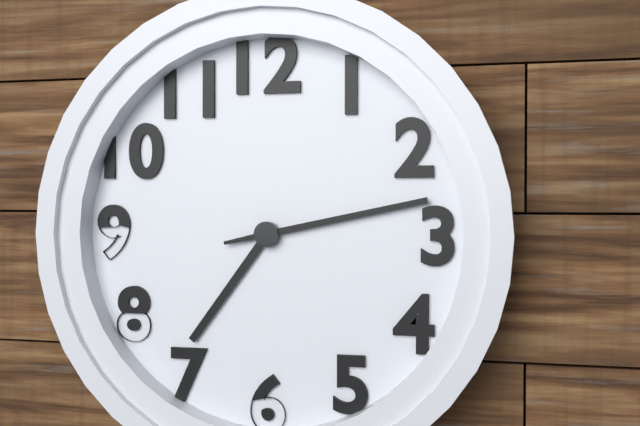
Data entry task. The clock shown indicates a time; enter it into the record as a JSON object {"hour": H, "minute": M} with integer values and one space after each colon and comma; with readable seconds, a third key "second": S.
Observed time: {"hour": 7, "minute": 13}
